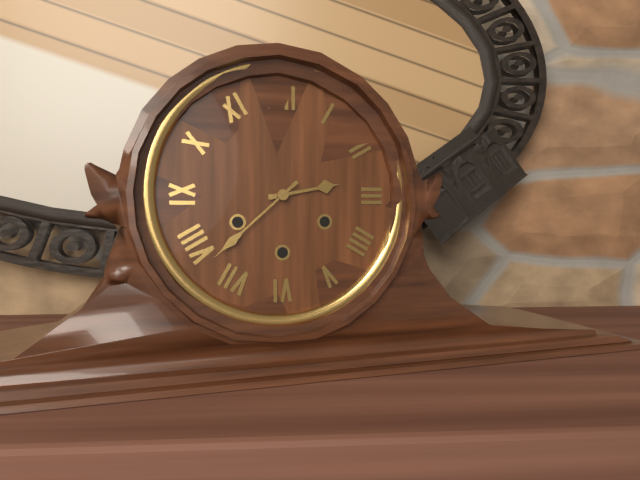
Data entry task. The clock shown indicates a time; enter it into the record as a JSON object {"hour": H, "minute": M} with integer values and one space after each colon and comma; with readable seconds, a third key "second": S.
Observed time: {"hour": 2, "minute": 38}
